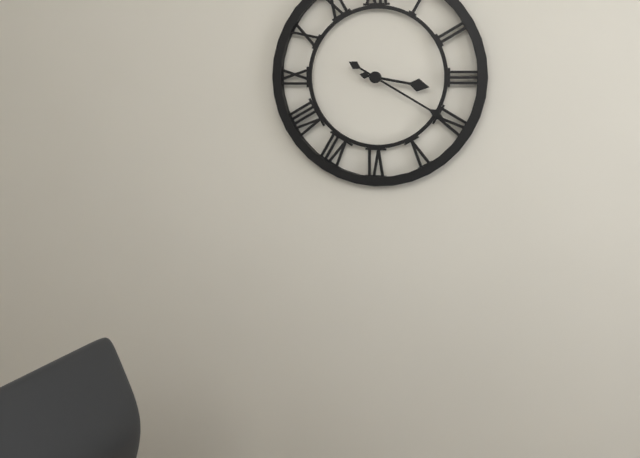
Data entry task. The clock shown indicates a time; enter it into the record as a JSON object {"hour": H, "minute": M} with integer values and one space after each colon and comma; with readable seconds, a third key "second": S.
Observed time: {"hour": 3, "minute": 20}
